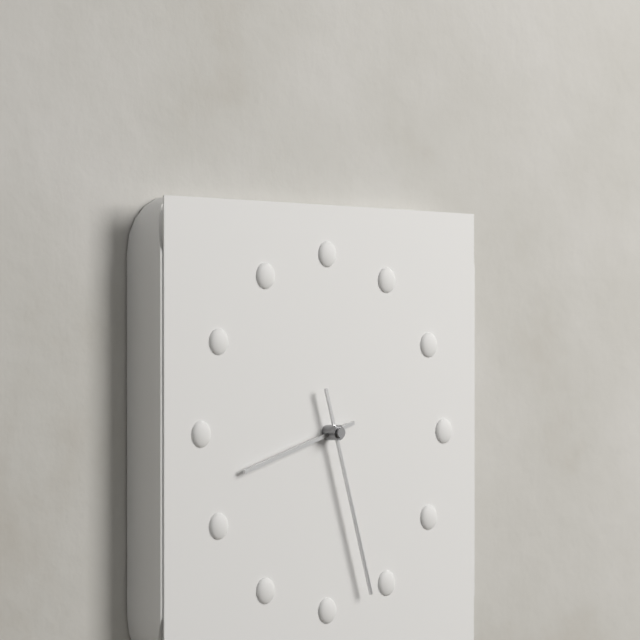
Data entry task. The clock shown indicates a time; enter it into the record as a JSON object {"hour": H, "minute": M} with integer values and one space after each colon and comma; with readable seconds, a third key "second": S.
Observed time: {"hour": 8, "minute": 27}
